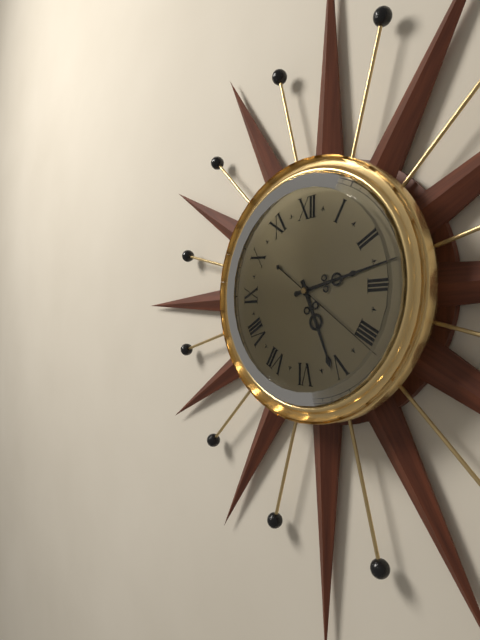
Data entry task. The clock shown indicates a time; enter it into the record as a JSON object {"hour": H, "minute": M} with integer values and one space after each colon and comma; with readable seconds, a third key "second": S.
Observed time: {"hour": 5, "minute": 13, "second": 21}
